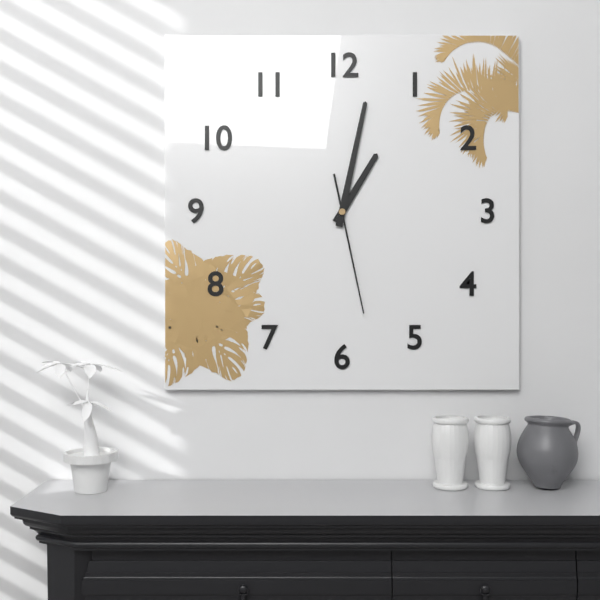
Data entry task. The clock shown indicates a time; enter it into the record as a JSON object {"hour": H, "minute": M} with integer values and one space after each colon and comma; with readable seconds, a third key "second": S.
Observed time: {"hour": 1, "minute": 2, "second": 28}
